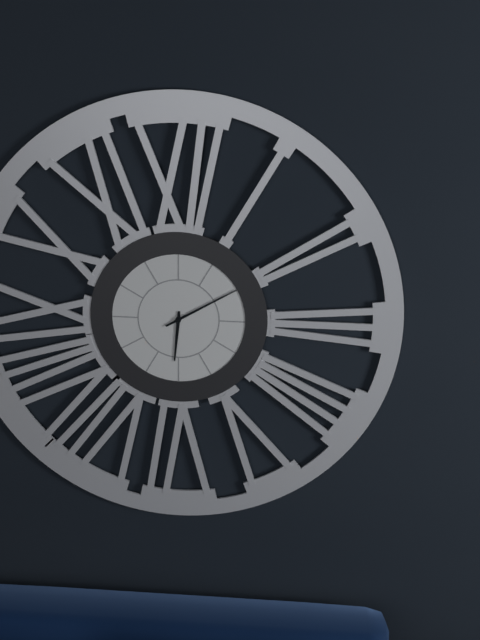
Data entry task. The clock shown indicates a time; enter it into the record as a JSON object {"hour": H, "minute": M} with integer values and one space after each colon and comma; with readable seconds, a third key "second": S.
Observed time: {"hour": 6, "minute": 10}
